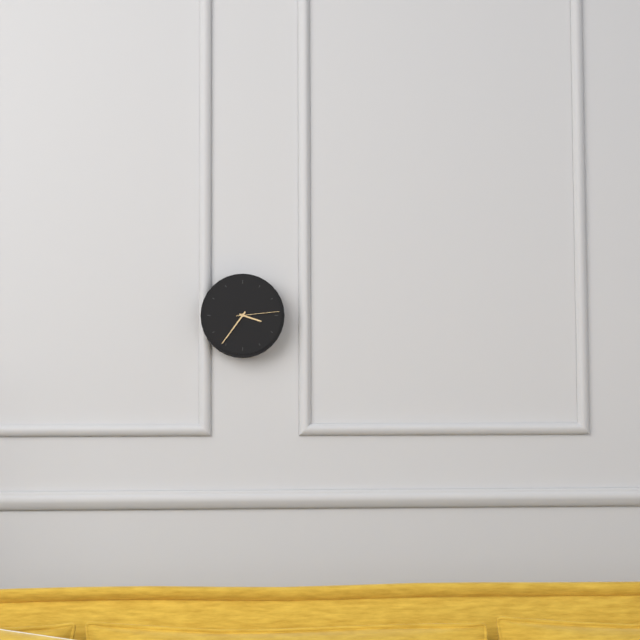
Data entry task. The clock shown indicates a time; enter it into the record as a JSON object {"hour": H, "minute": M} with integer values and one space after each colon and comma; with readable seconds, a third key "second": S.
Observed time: {"hour": 3, "minute": 36}
